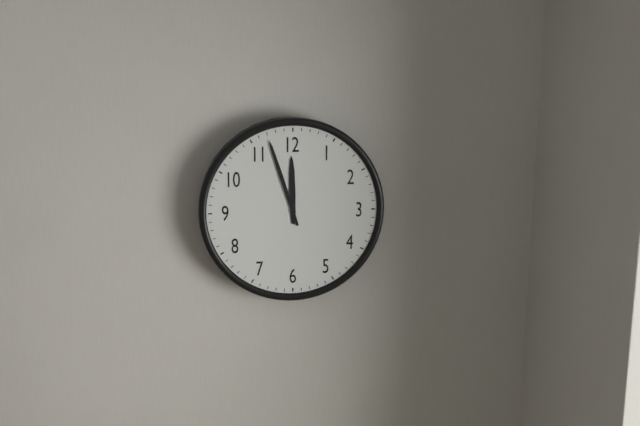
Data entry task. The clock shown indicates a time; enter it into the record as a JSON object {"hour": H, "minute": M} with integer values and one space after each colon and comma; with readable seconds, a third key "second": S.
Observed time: {"hour": 11, "minute": 57}
